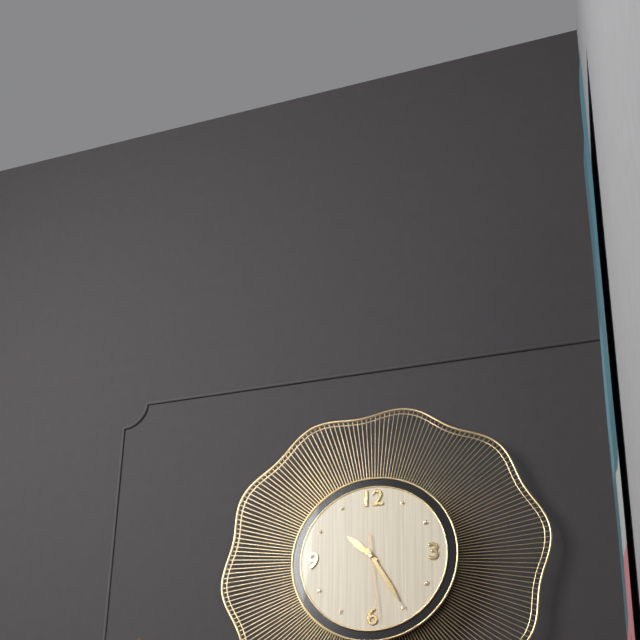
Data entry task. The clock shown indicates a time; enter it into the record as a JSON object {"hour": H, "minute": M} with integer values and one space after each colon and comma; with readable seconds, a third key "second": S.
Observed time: {"hour": 10, "minute": 25, "second": 29}
